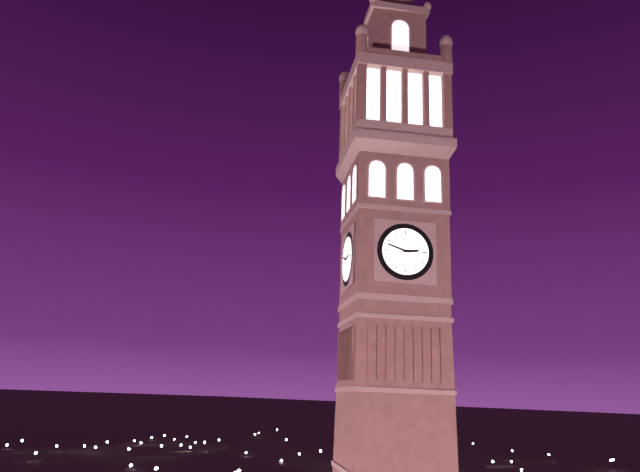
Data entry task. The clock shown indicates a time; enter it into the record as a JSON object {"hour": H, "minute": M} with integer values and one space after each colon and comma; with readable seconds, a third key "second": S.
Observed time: {"hour": 2, "minute": 48}
